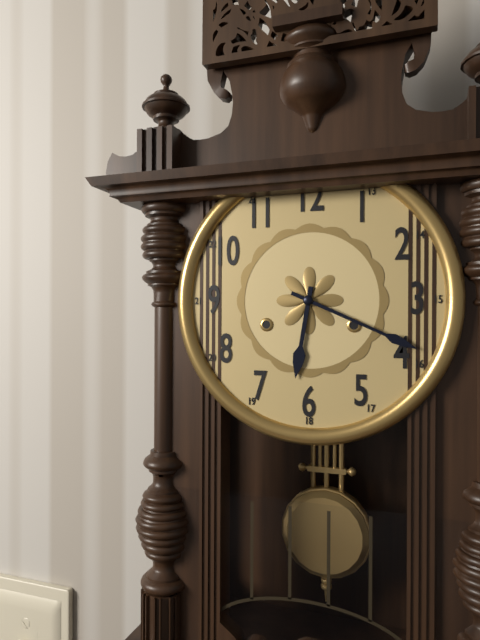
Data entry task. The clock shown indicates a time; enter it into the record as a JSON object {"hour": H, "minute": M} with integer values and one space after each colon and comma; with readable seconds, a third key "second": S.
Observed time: {"hour": 6, "minute": 19}
